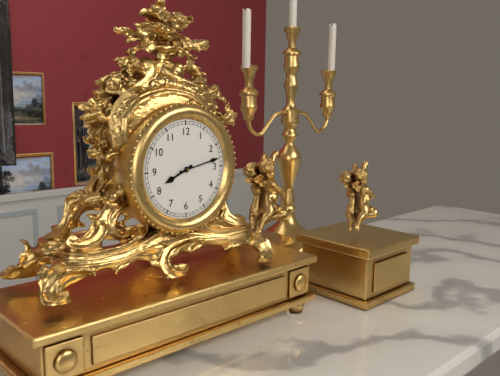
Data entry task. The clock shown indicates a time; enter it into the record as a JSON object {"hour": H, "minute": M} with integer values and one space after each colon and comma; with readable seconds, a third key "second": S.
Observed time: {"hour": 8, "minute": 13}
